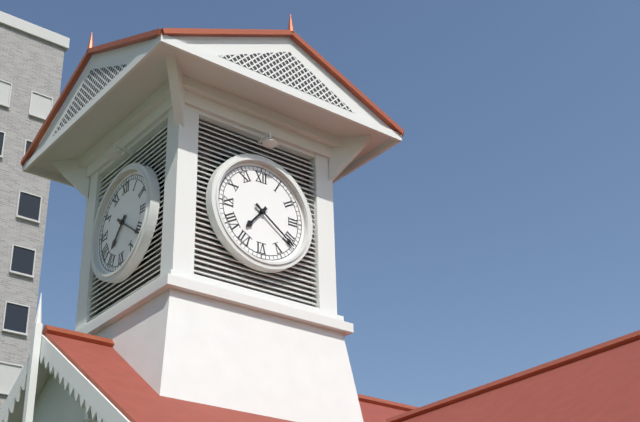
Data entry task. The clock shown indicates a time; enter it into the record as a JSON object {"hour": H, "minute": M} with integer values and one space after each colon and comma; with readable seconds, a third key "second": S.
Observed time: {"hour": 7, "minute": 21}
